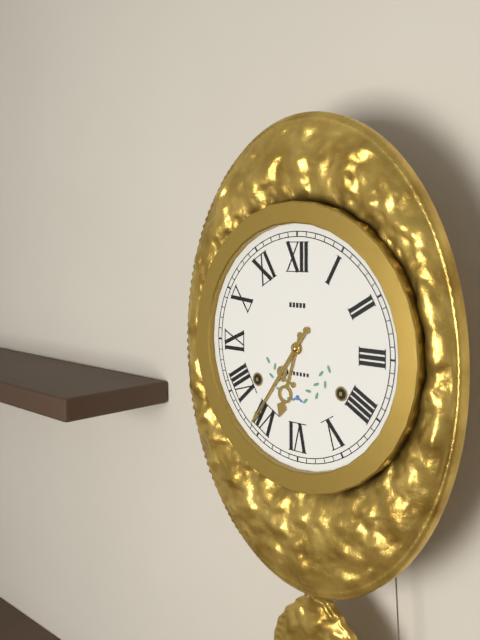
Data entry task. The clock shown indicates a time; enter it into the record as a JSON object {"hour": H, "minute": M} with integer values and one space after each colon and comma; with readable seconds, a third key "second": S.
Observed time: {"hour": 6, "minute": 36}
